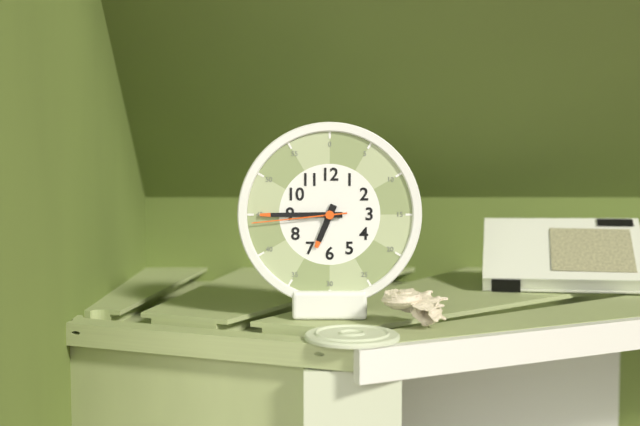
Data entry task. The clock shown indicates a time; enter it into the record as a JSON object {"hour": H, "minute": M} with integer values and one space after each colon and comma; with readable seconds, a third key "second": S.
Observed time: {"hour": 6, "minute": 45, "second": 44}
